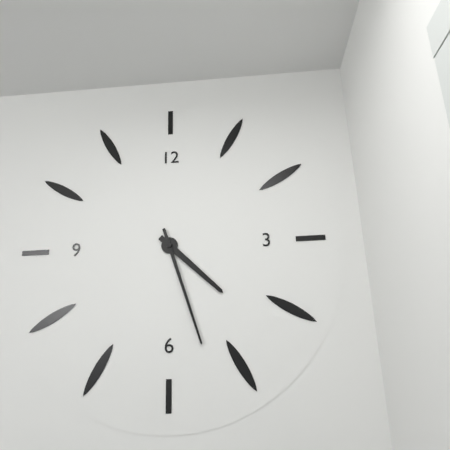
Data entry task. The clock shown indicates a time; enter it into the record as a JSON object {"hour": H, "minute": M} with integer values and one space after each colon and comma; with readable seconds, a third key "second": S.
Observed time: {"hour": 4, "minute": 27}
